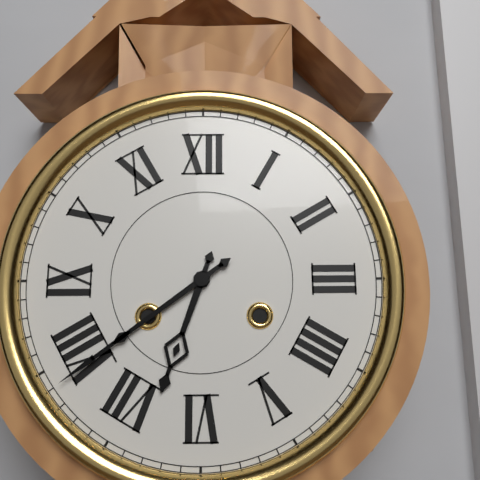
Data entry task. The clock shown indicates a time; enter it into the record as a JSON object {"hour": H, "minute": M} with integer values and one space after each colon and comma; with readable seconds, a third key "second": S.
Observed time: {"hour": 6, "minute": 39}
